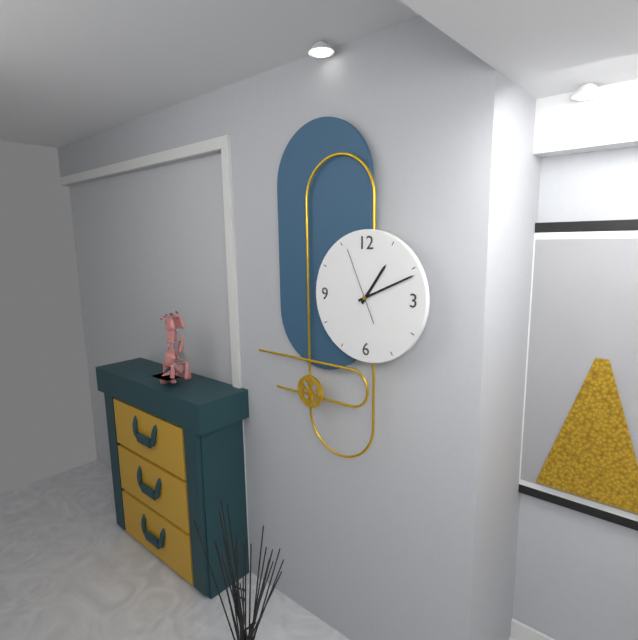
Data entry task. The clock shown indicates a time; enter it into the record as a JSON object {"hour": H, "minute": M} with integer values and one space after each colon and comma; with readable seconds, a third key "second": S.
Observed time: {"hour": 1, "minute": 11, "second": 56}
